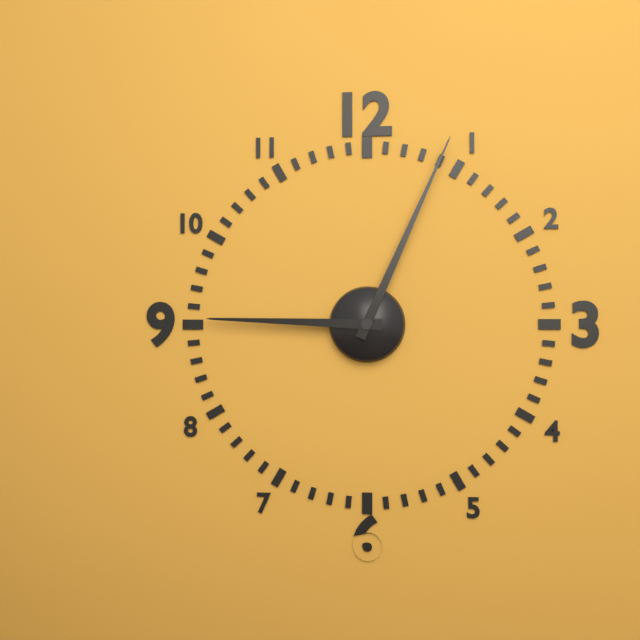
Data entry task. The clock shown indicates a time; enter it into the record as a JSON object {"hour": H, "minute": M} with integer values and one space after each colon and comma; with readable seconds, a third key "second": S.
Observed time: {"hour": 9, "minute": 4}
